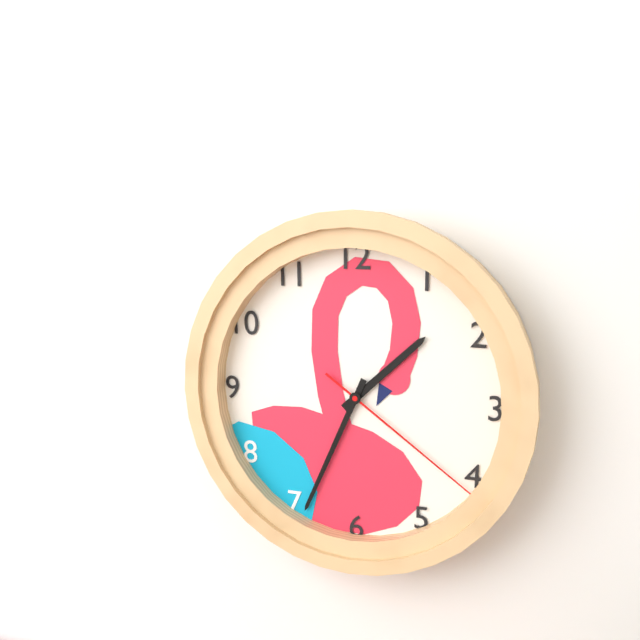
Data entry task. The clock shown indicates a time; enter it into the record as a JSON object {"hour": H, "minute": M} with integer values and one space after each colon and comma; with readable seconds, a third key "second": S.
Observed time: {"hour": 1, "minute": 34, "second": 21}
